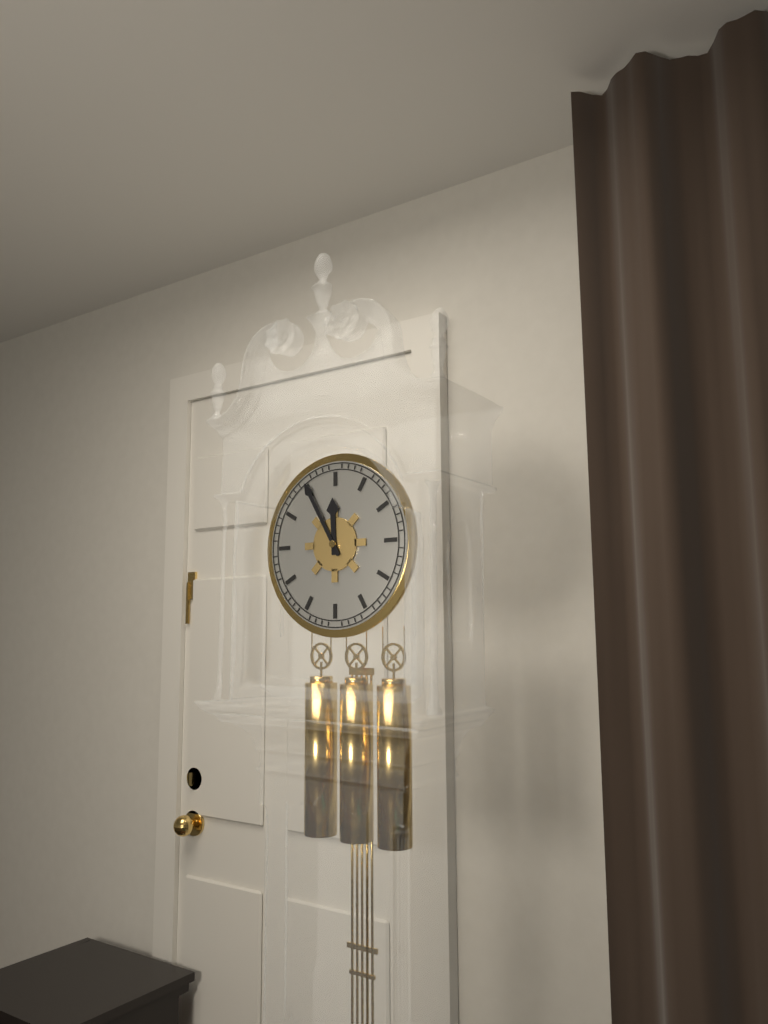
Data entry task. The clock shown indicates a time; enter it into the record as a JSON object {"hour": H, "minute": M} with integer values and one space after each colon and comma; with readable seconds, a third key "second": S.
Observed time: {"hour": 11, "minute": 55}
